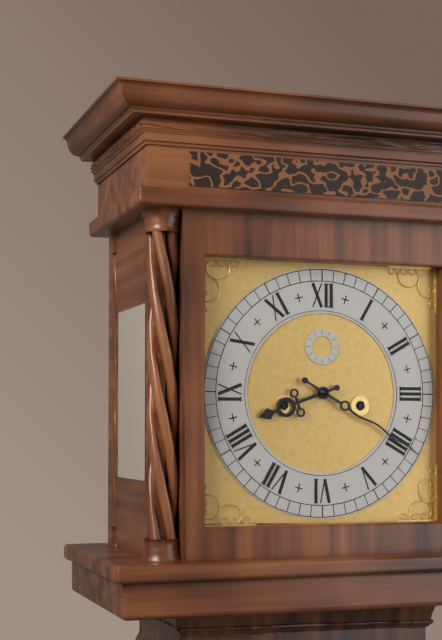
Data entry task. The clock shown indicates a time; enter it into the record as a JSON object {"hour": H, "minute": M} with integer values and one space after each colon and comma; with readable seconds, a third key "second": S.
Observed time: {"hour": 8, "minute": 20}
